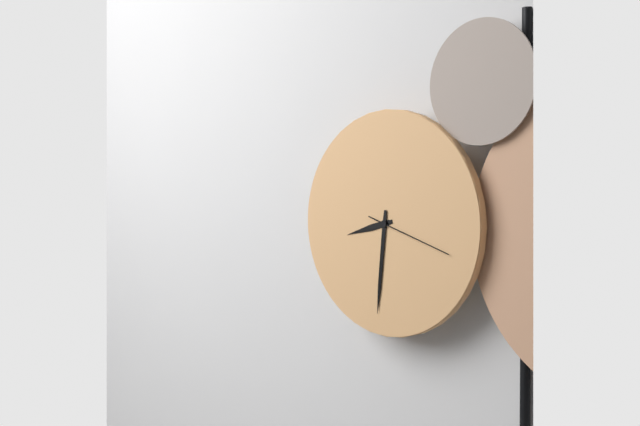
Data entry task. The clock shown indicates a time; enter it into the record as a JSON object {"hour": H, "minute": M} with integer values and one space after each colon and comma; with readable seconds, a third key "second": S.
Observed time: {"hour": 8, "minute": 31, "second": 18}
